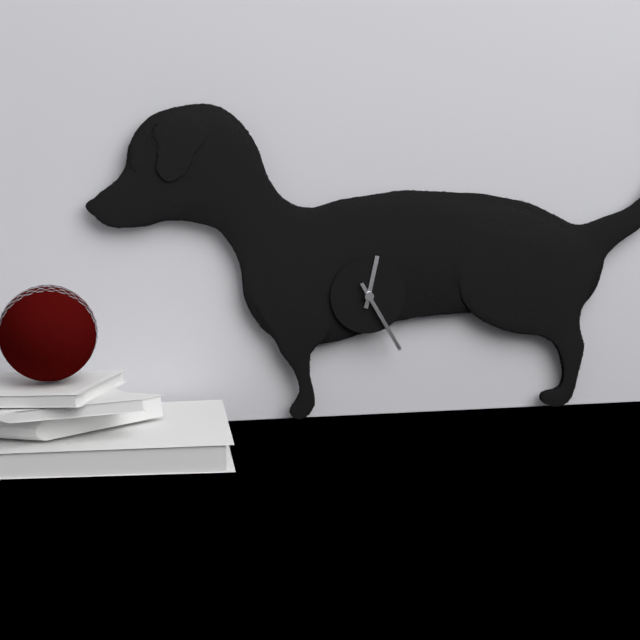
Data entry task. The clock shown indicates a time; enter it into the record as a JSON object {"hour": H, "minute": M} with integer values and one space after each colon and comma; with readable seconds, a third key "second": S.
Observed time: {"hour": 12, "minute": 25}
